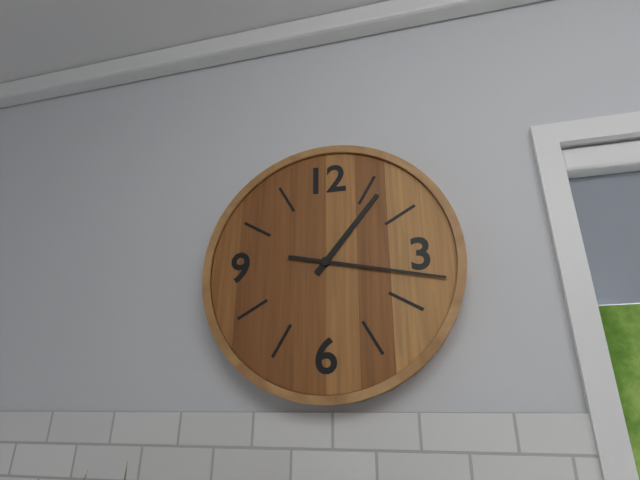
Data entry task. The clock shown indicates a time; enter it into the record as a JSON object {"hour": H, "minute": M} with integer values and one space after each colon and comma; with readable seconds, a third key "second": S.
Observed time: {"hour": 1, "minute": 17}
